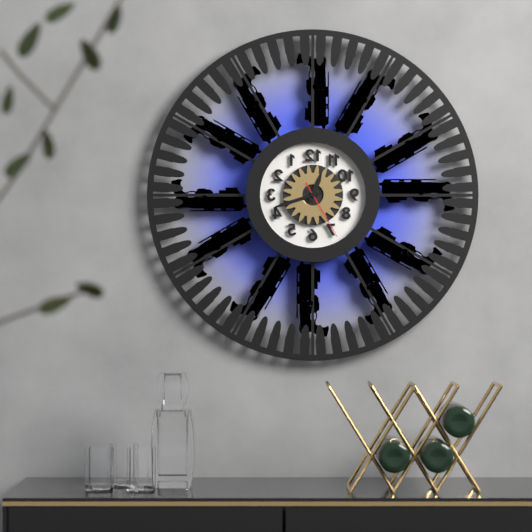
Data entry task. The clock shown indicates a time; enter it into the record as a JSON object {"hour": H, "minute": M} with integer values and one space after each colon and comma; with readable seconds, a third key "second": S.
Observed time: {"hour": 12, "minute": 42, "second": 25}
